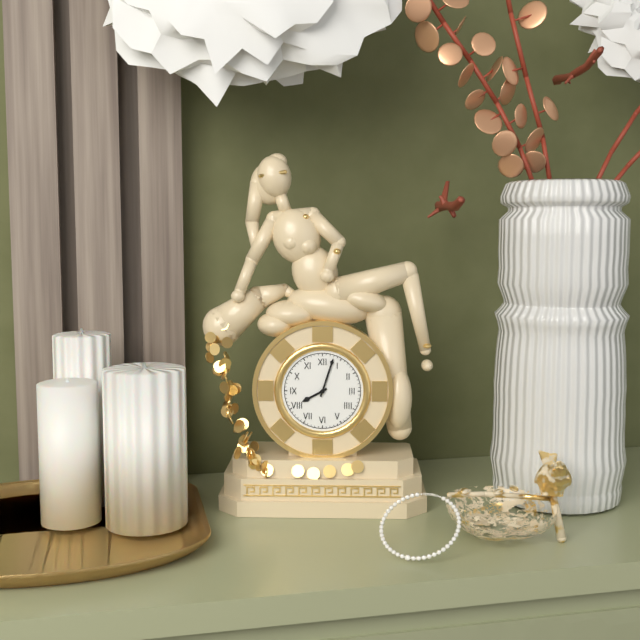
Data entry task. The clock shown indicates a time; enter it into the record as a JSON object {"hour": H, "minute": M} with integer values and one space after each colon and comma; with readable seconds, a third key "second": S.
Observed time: {"hour": 8, "minute": 3}
